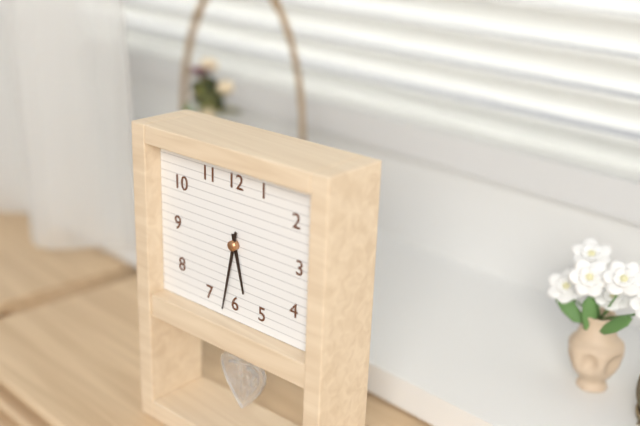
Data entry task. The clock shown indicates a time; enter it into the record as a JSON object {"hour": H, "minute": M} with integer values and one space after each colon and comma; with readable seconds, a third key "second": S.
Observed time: {"hour": 5, "minute": 32}
